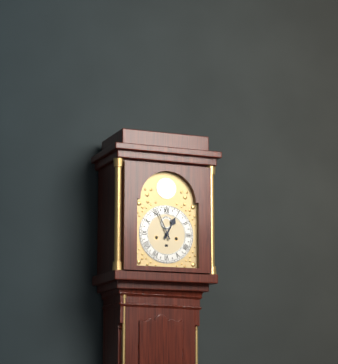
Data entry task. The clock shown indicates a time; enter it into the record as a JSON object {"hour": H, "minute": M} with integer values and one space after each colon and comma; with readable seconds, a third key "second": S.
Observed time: {"hour": 12, "minute": 56}
